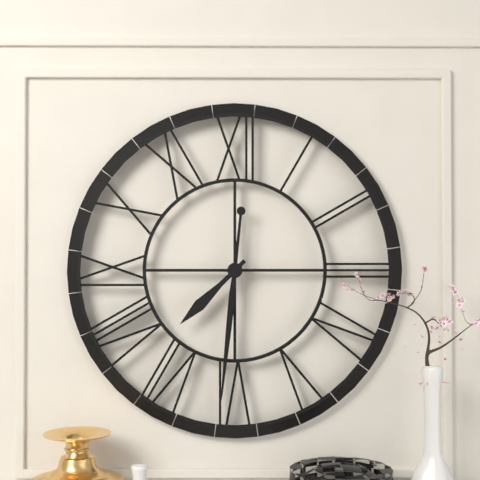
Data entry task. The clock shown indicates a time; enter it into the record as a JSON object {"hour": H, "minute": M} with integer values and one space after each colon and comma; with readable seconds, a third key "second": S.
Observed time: {"hour": 7, "minute": 31}
